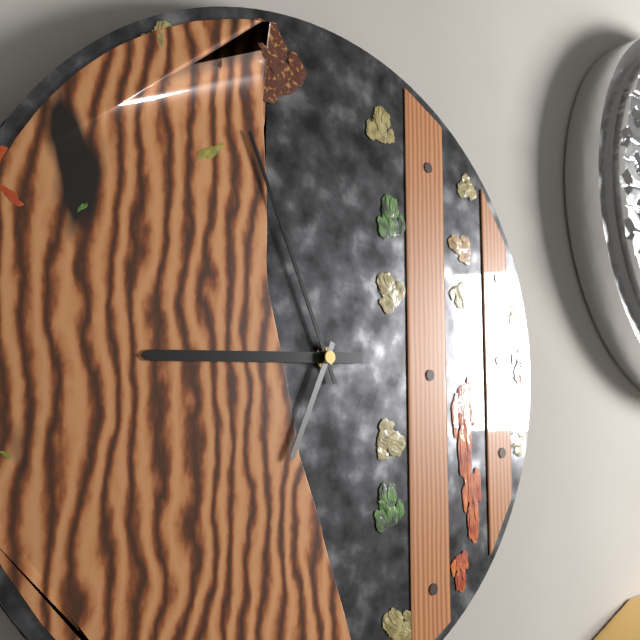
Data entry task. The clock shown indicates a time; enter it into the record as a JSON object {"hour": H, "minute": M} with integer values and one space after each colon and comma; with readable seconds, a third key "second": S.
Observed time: {"hour": 8, "minute": 56, "second": 34}
